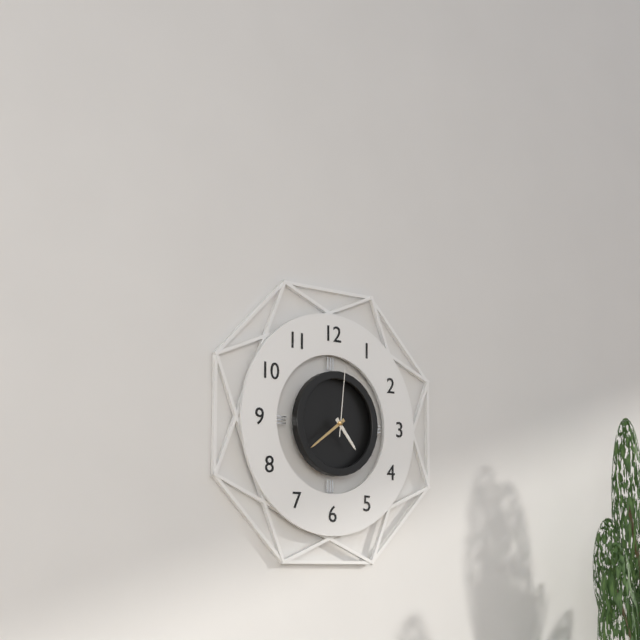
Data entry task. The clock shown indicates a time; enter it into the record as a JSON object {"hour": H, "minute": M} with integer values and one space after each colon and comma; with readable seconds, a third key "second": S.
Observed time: {"hour": 4, "minute": 39, "second": 1}
